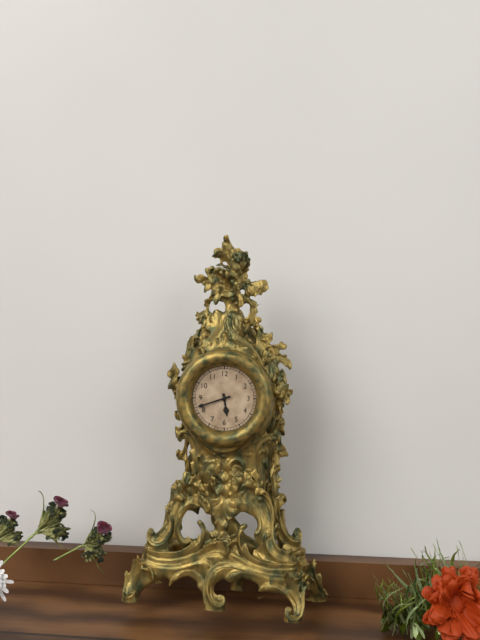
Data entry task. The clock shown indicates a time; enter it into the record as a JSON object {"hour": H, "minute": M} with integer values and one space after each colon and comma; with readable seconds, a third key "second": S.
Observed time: {"hour": 5, "minute": 42}
